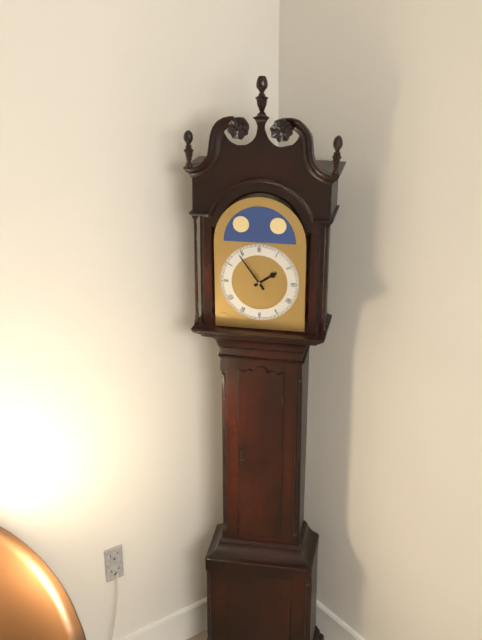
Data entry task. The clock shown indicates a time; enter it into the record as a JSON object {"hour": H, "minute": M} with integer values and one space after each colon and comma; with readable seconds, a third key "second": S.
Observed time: {"hour": 1, "minute": 54}
